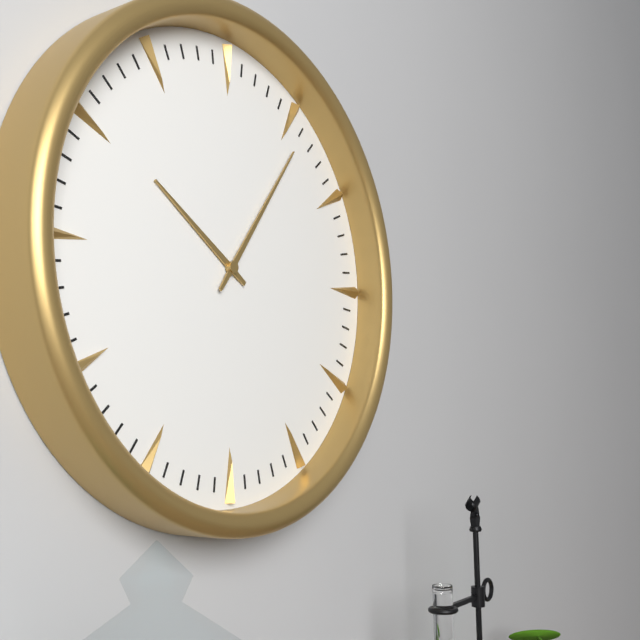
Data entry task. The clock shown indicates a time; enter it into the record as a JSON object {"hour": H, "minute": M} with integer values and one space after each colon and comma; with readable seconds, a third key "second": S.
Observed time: {"hour": 10, "minute": 6}
